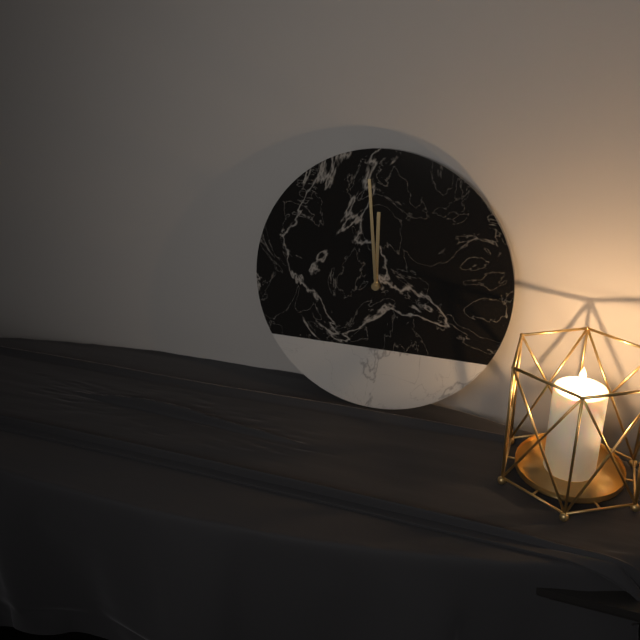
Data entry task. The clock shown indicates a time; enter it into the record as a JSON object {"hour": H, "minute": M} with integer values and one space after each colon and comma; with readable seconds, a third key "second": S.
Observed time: {"hour": 11, "minute": 59}
